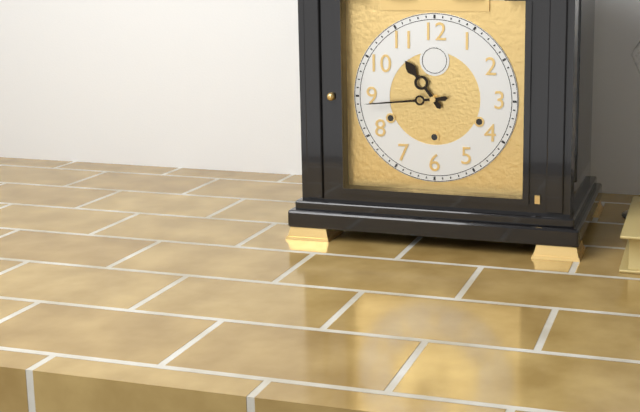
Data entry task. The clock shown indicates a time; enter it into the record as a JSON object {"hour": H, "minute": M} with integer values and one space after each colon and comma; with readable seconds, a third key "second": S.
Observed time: {"hour": 10, "minute": 44}
